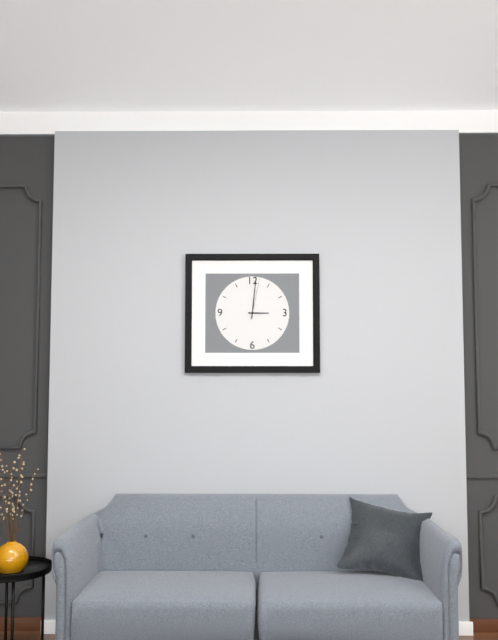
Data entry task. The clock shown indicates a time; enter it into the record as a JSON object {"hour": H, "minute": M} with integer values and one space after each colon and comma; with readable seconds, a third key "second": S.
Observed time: {"hour": 3, "minute": 1}
